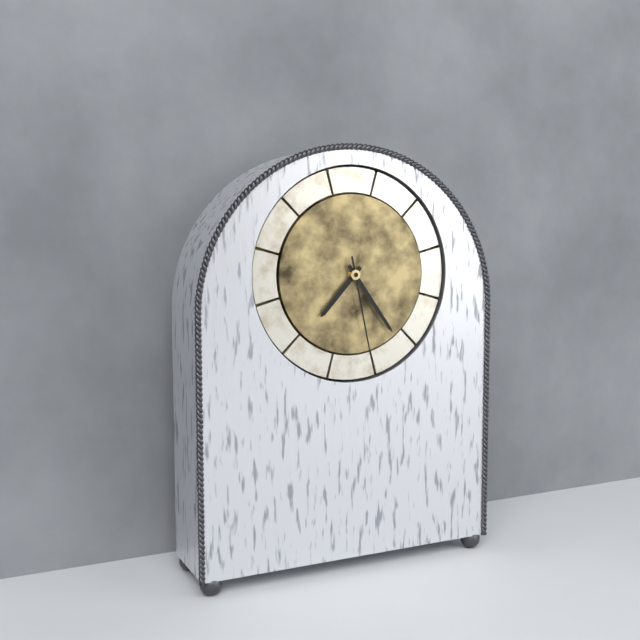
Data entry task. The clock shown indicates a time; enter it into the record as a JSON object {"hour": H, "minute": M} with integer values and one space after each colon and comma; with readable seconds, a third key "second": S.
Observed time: {"hour": 7, "minute": 24, "second": 28}
